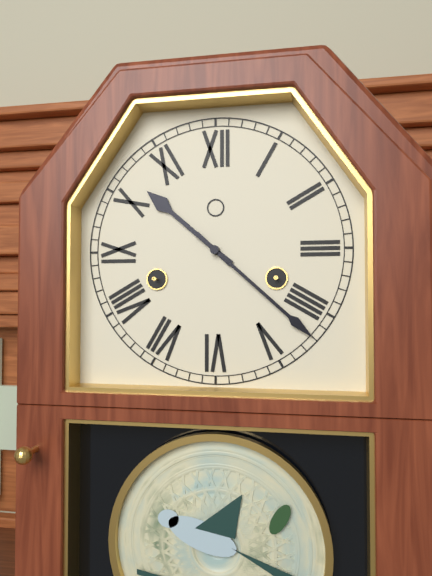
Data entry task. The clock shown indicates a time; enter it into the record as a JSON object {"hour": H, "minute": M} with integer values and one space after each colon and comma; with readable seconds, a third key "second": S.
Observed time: {"hour": 10, "minute": 22}
